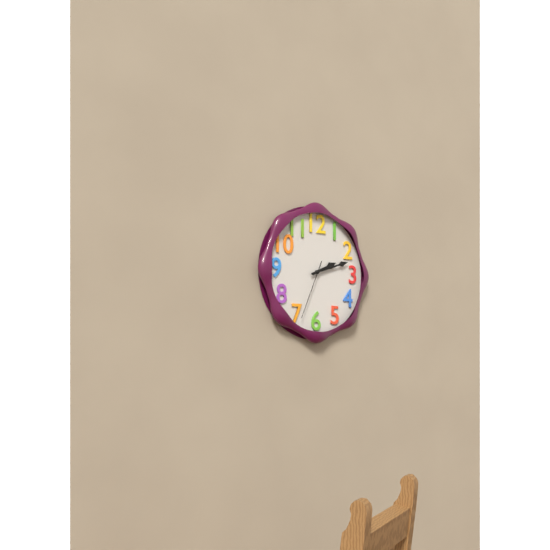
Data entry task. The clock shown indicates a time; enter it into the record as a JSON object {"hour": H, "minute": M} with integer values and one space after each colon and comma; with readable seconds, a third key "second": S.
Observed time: {"hour": 2, "minute": 12, "second": 34}
